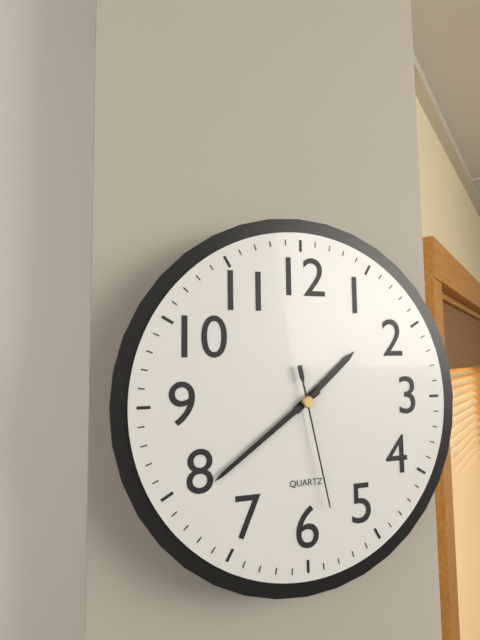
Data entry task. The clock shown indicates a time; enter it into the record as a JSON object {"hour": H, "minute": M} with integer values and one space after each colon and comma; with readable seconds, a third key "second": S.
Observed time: {"hour": 1, "minute": 39, "second": 28}
